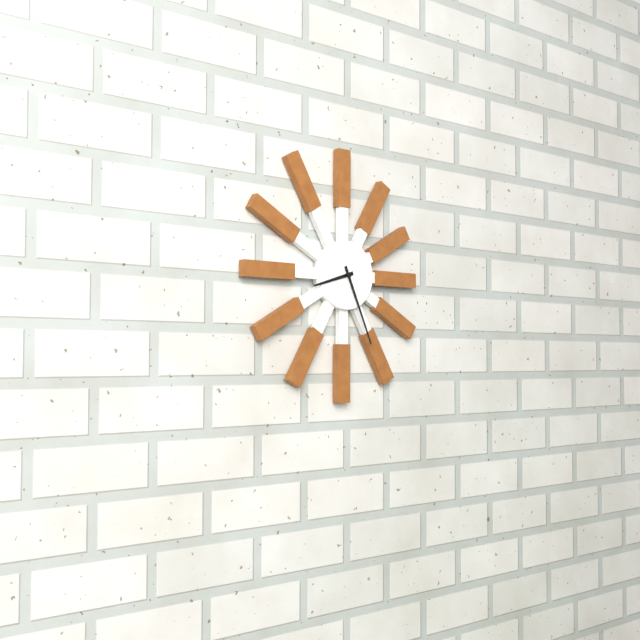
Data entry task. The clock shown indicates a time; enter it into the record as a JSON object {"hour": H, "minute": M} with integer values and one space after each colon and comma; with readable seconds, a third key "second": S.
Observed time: {"hour": 8, "minute": 26}
